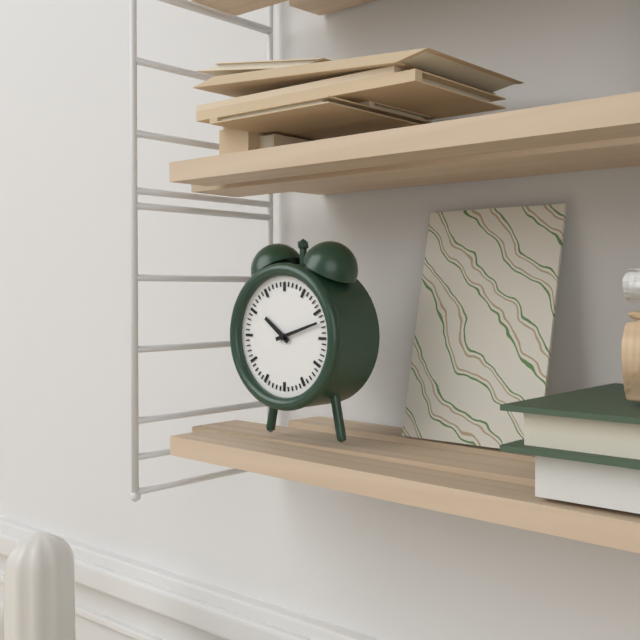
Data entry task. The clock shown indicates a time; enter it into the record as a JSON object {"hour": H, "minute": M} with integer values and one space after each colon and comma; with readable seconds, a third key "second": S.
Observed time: {"hour": 10, "minute": 12}
